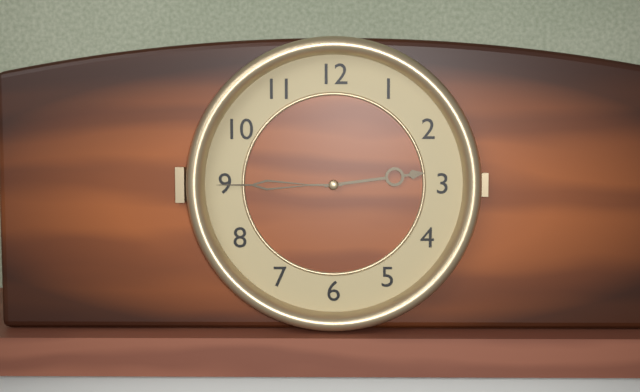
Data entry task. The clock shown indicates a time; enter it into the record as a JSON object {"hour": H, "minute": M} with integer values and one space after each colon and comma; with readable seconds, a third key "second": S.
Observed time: {"hour": 2, "minute": 45}
